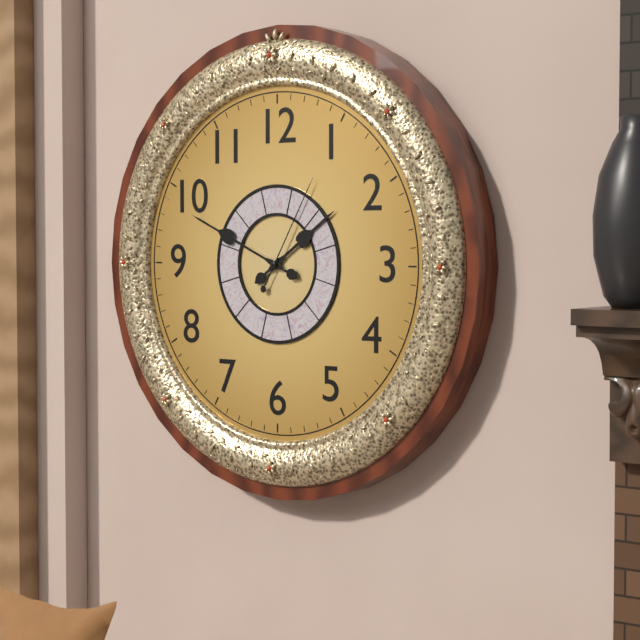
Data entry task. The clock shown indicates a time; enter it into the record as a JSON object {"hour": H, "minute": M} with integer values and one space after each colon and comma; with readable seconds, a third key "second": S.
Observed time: {"hour": 1, "minute": 49, "second": 5}
